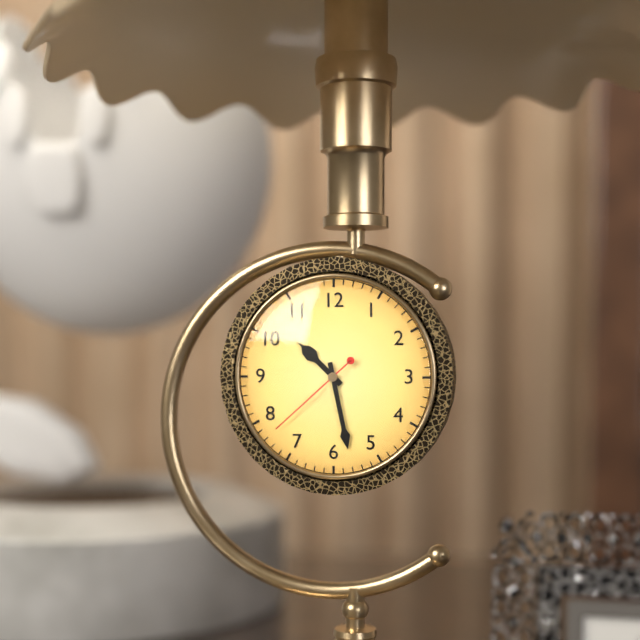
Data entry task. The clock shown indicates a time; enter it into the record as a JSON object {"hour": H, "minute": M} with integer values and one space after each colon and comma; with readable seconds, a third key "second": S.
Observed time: {"hour": 10, "minute": 28, "second": 38}
